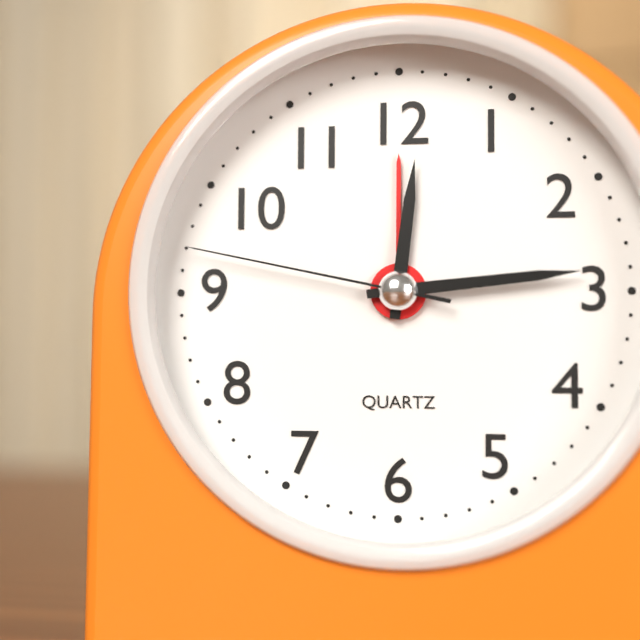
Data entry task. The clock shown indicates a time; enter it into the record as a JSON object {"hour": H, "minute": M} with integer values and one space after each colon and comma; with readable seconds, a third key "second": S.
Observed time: {"hour": 12, "minute": 14, "second": 47}
